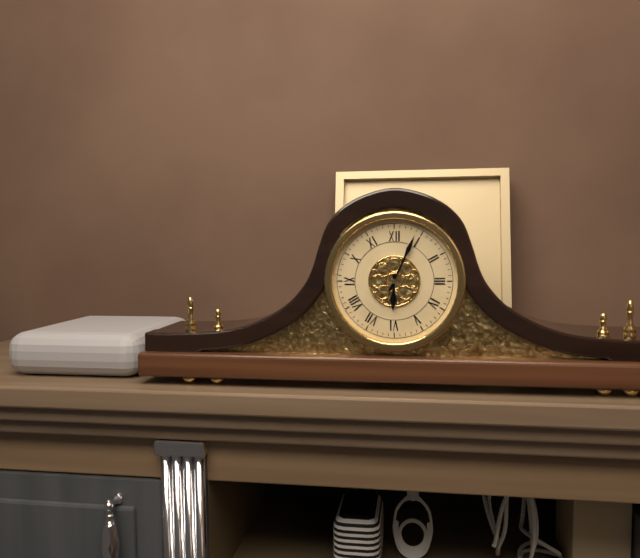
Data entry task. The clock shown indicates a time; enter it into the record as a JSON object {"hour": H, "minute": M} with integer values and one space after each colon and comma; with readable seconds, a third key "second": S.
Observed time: {"hour": 6, "minute": 4}
